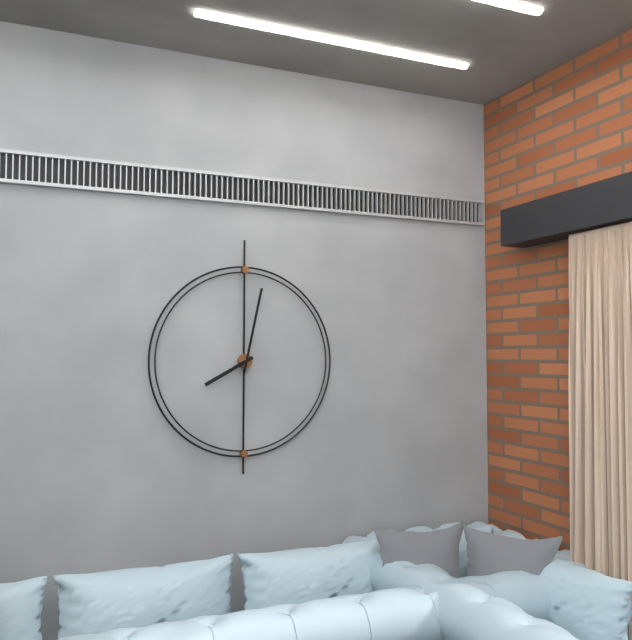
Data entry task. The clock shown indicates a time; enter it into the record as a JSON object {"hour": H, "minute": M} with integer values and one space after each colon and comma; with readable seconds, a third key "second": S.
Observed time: {"hour": 8, "minute": 2}
